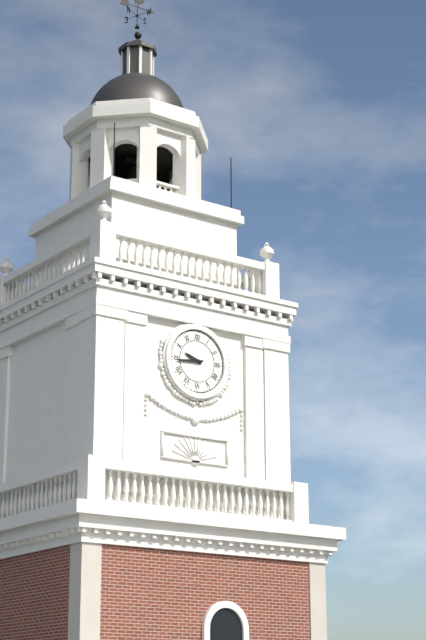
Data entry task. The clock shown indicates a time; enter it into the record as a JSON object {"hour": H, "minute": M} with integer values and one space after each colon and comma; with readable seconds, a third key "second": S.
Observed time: {"hour": 9, "minute": 44}
